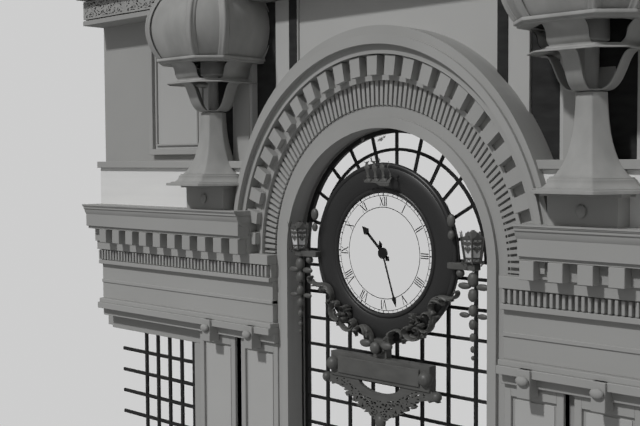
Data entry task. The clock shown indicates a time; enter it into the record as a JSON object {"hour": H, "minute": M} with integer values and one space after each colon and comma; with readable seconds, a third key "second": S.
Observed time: {"hour": 10, "minute": 27}
